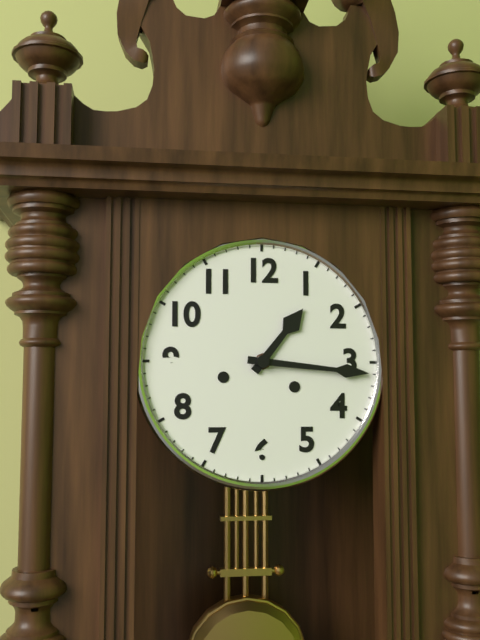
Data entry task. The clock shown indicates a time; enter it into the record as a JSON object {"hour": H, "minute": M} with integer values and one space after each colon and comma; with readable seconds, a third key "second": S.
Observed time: {"hour": 1, "minute": 16}
